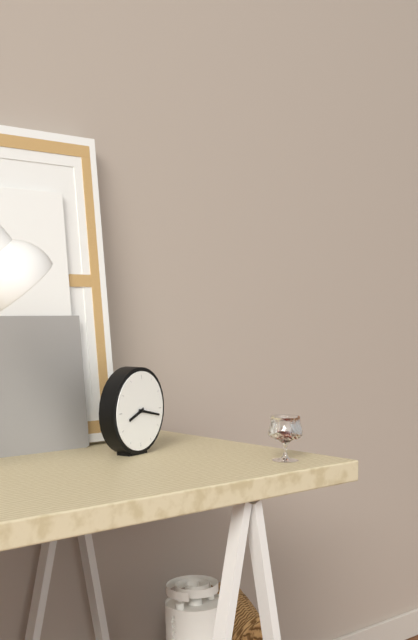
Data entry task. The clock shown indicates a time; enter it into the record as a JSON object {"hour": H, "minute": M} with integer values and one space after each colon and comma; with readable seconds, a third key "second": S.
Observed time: {"hour": 8, "minute": 17}
